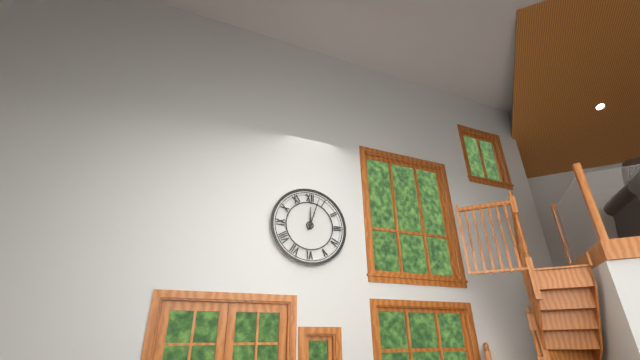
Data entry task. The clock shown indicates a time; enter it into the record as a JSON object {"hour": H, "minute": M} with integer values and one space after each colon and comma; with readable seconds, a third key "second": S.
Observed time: {"hour": 12, "minute": 3}
